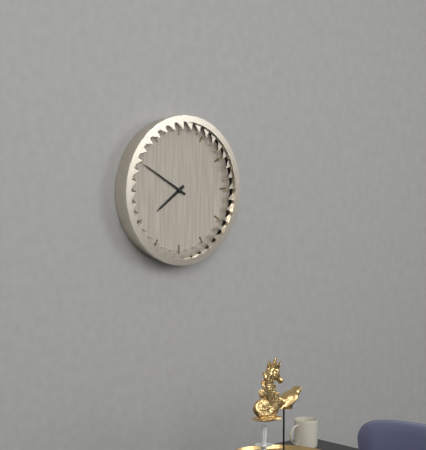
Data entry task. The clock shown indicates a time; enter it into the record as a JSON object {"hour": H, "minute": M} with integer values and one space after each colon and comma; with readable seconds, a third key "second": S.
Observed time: {"hour": 7, "minute": 50}
